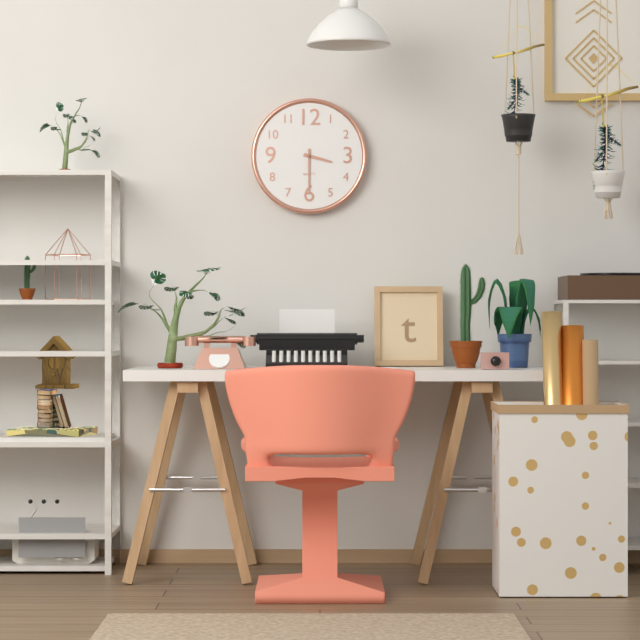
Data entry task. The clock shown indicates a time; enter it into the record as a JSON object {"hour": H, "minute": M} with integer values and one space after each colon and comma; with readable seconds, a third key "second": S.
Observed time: {"hour": 3, "minute": 30}
